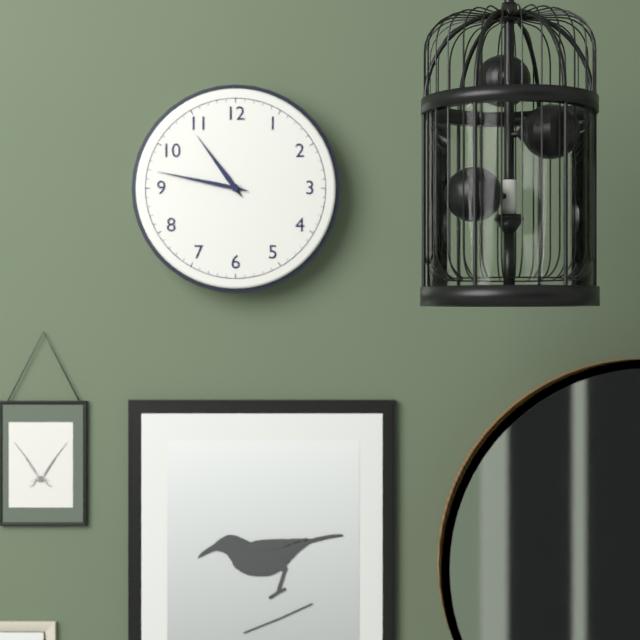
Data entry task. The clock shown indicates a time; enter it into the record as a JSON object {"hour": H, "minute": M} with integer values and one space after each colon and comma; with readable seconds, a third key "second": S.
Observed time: {"hour": 10, "minute": 47}
